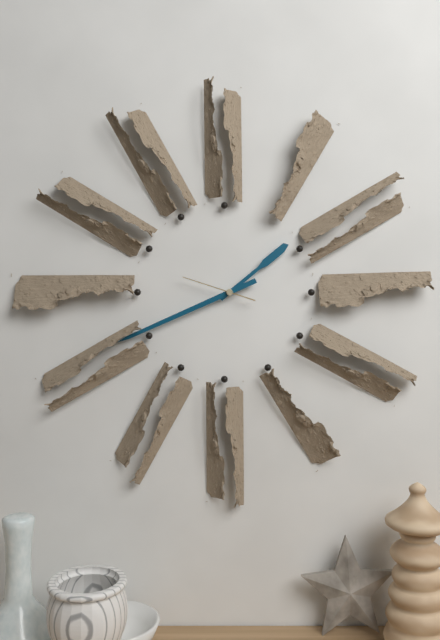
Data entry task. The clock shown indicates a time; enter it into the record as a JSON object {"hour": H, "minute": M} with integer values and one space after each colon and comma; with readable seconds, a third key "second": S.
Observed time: {"hour": 1, "minute": 41, "second": 48}
